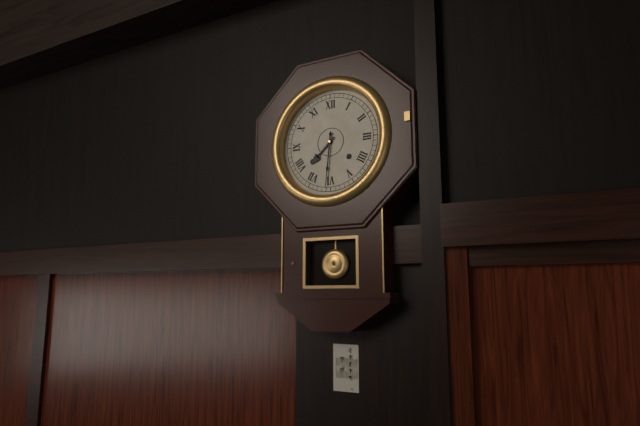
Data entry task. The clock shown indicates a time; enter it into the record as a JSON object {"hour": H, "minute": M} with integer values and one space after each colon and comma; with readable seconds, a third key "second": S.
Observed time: {"hour": 7, "minute": 31}
